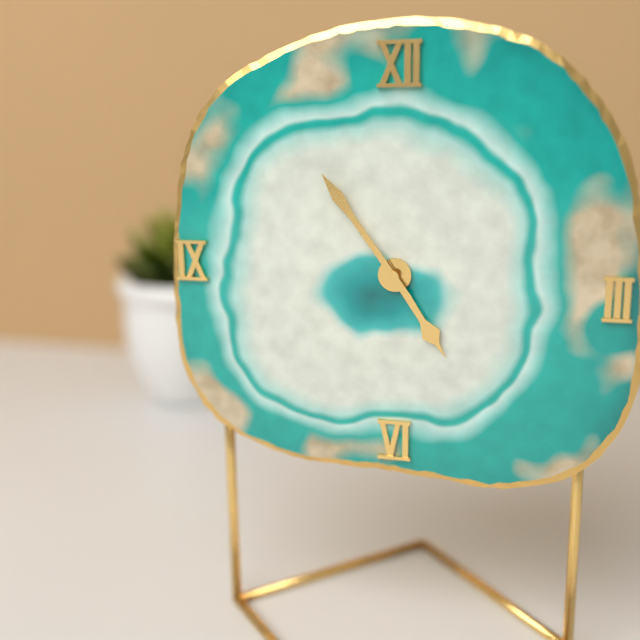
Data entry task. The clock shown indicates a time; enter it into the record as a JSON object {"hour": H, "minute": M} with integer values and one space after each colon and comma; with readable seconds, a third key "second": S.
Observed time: {"hour": 4, "minute": 54}
